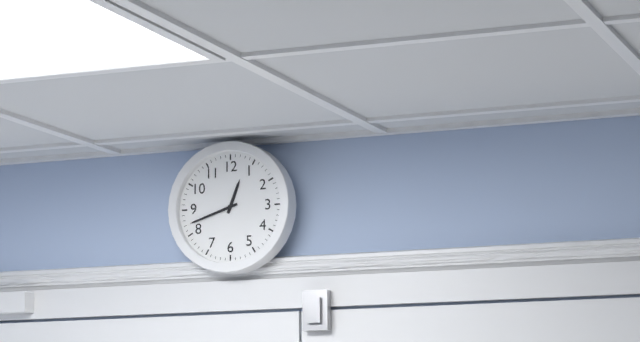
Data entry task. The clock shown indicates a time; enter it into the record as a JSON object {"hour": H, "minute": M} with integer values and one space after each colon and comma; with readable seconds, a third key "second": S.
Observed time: {"hour": 12, "minute": 42}
